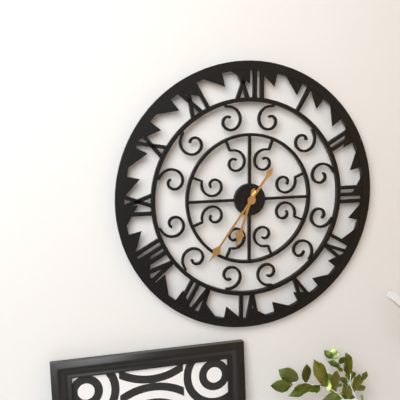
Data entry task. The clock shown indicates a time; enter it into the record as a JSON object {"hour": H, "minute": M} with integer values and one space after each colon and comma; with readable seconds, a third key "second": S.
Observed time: {"hour": 6, "minute": 36}
